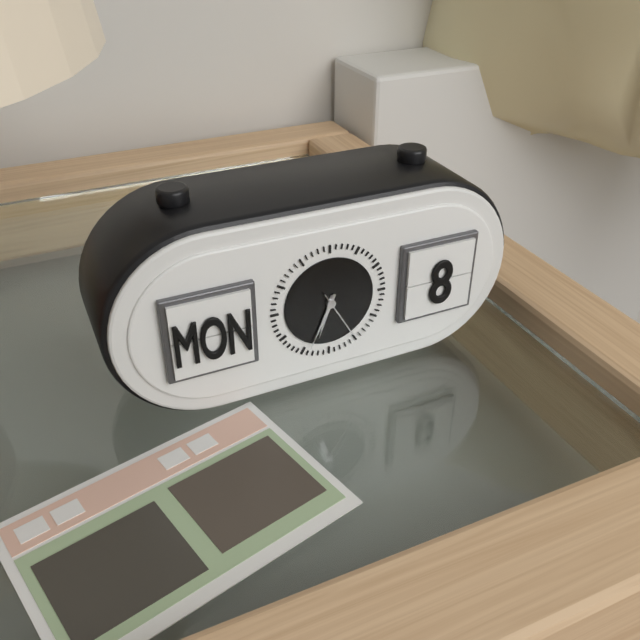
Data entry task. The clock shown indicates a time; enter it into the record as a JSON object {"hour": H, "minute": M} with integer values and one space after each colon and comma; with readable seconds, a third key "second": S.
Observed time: {"hour": 6, "minute": 34, "second": 25}
